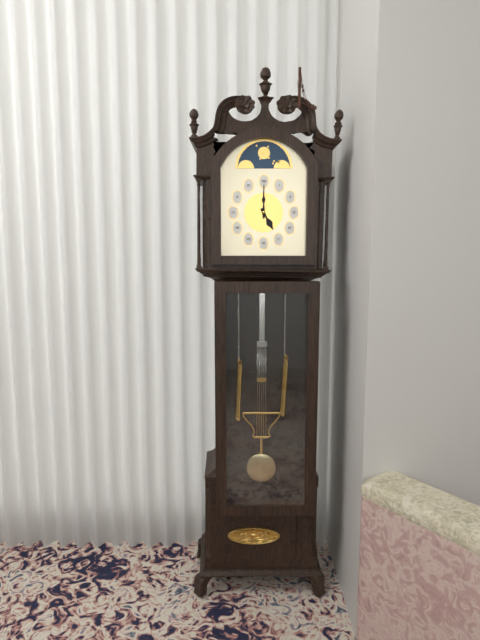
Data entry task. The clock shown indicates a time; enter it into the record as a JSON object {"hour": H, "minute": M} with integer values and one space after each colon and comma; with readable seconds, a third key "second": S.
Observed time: {"hour": 5, "minute": 0}
